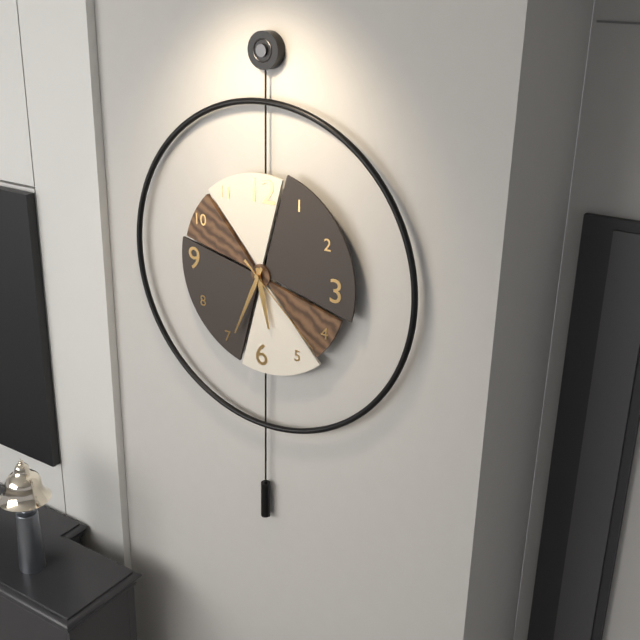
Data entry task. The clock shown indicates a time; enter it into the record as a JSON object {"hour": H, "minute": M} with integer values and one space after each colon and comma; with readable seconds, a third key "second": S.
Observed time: {"hour": 5, "minute": 34, "second": 22}
